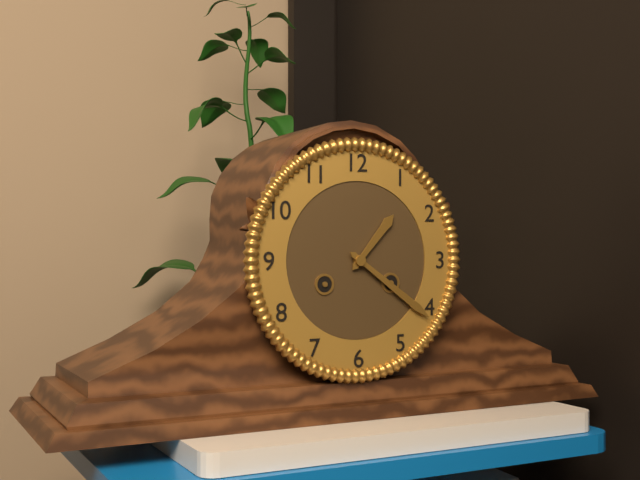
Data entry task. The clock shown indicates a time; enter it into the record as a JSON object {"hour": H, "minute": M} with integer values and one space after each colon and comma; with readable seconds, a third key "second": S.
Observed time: {"hour": 1, "minute": 21}
